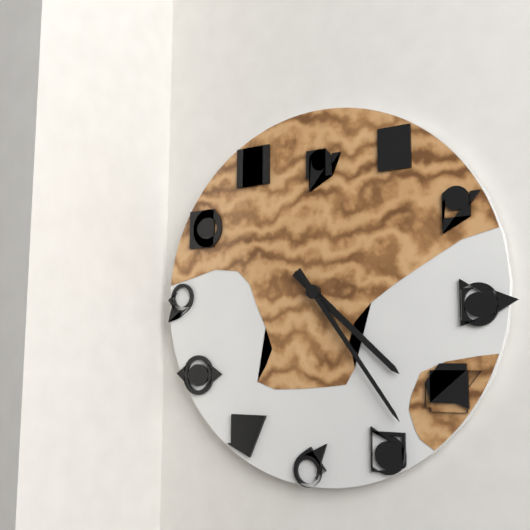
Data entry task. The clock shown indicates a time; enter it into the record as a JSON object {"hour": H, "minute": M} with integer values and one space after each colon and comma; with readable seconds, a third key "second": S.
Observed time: {"hour": 4, "minute": 24}
